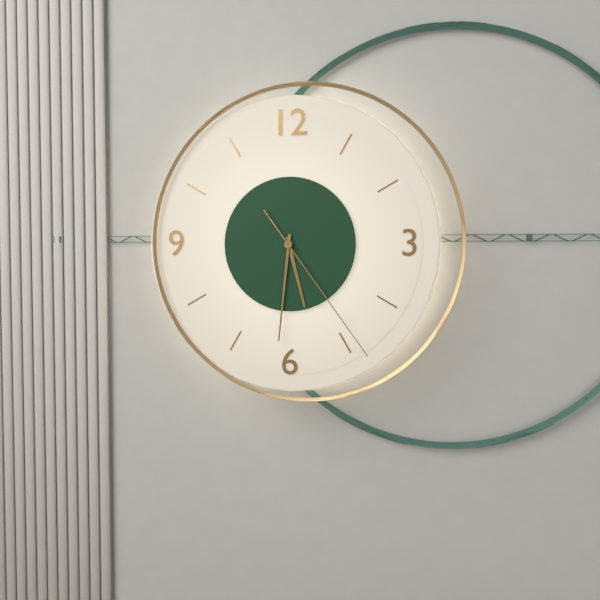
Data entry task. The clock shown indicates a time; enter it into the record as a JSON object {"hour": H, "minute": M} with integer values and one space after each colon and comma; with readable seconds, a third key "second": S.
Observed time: {"hour": 5, "minute": 31, "second": 24}
